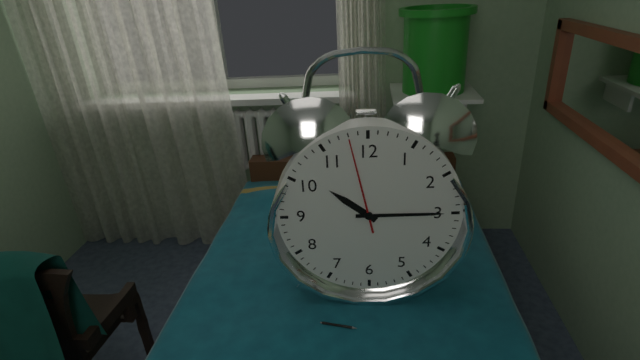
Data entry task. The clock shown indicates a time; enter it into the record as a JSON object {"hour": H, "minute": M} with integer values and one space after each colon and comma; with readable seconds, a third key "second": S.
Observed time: {"hour": 10, "minute": 15, "second": 58}
